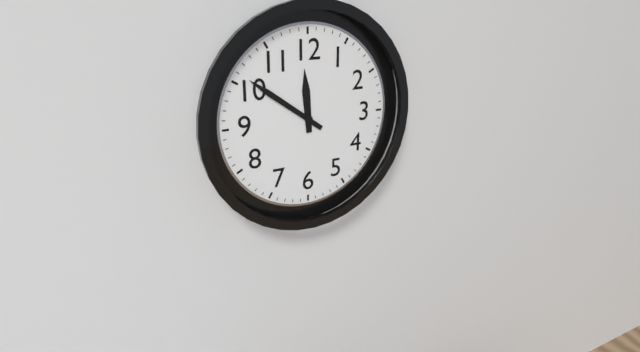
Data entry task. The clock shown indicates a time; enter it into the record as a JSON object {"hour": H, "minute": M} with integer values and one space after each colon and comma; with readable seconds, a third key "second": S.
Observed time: {"hour": 11, "minute": 51}
